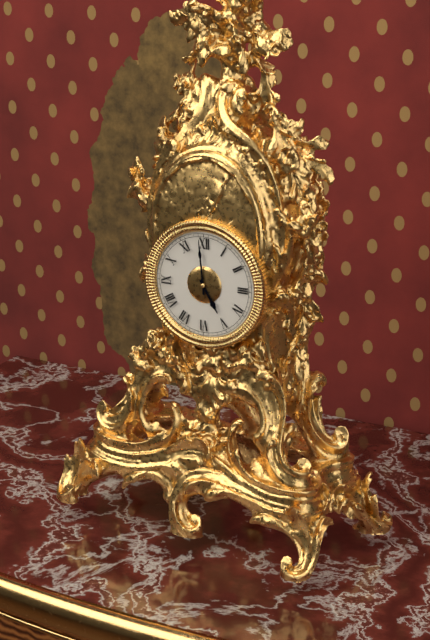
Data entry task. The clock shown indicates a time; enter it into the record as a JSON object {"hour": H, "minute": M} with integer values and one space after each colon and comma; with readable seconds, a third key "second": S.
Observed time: {"hour": 4, "minute": 59}
